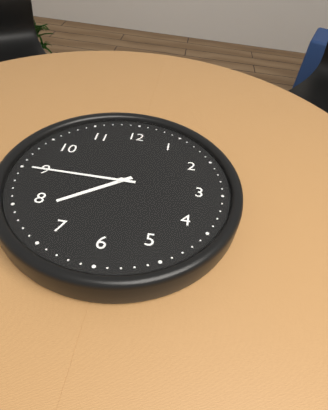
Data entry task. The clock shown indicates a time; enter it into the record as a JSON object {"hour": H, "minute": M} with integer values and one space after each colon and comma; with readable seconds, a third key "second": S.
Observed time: {"hour": 7, "minute": 45}
